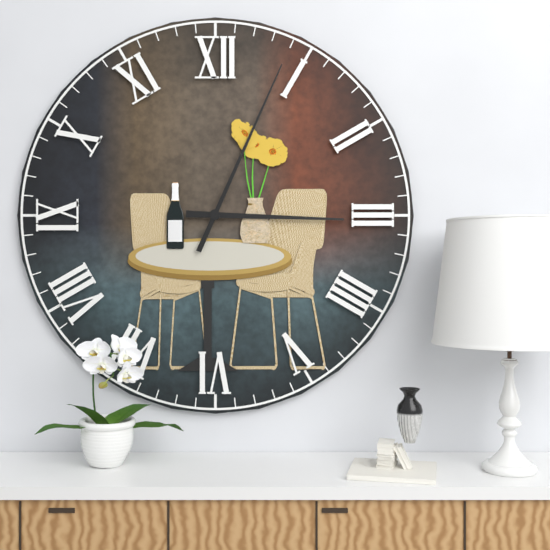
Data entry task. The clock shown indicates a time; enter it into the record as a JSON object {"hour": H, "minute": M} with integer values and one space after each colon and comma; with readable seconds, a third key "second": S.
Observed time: {"hour": 3, "minute": 4}
